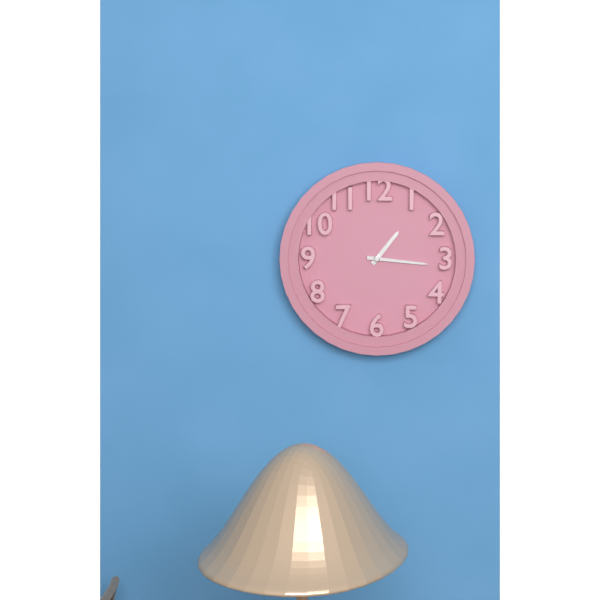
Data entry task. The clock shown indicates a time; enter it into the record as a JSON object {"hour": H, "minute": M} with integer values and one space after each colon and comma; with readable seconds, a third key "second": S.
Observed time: {"hour": 1, "minute": 16}
